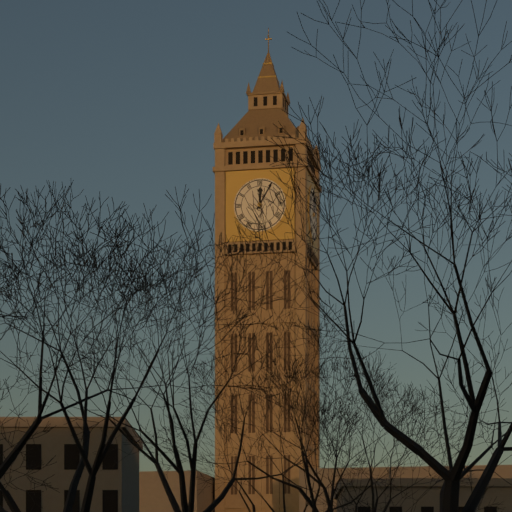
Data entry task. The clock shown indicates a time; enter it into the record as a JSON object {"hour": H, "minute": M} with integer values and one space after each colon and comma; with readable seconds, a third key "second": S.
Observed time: {"hour": 12, "minute": 5}
